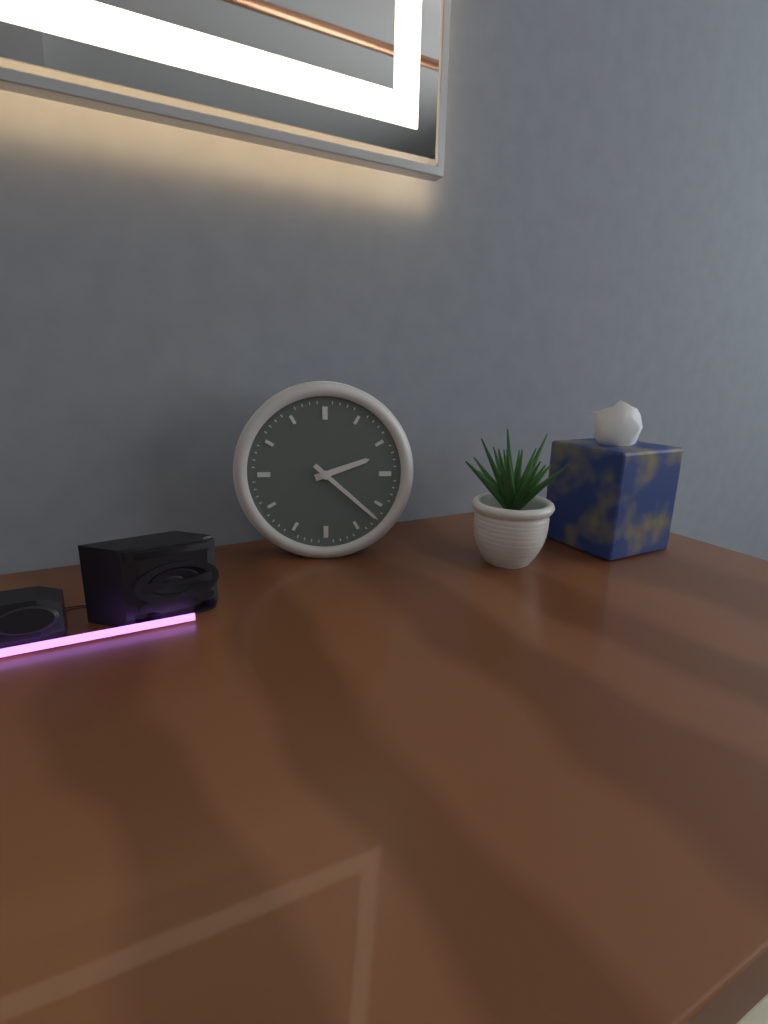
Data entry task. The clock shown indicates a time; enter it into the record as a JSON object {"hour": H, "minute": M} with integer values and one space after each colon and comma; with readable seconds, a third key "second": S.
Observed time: {"hour": 2, "minute": 22}
